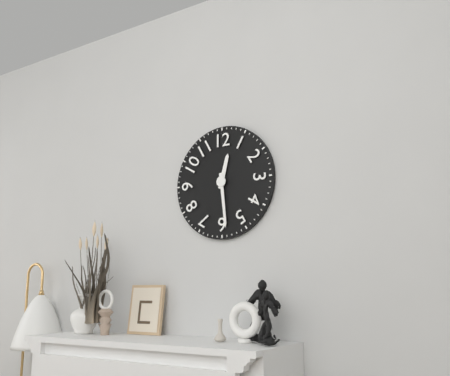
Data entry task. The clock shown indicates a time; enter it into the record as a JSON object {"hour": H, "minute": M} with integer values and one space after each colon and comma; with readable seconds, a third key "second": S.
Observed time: {"hour": 12, "minute": 29}
